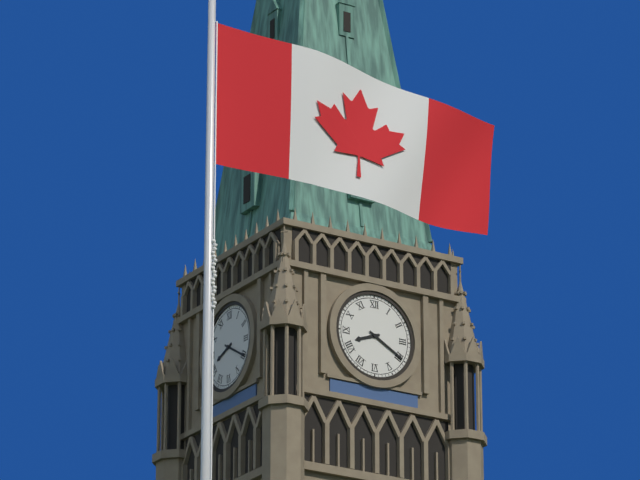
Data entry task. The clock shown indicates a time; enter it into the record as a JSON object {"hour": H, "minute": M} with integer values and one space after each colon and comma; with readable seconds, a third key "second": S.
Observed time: {"hour": 8, "minute": 20}
